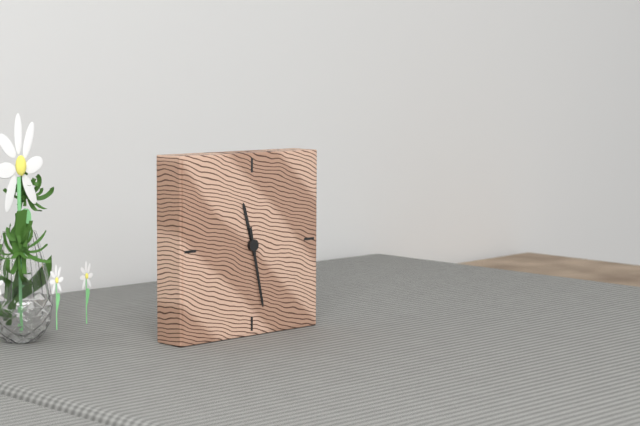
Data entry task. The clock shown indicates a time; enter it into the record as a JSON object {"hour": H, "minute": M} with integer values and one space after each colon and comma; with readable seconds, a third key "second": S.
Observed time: {"hour": 11, "minute": 28}
